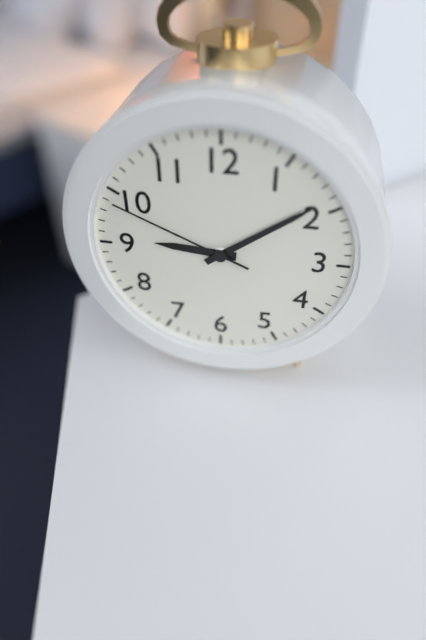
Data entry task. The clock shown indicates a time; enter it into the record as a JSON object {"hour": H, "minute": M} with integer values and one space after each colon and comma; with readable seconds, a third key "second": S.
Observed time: {"hour": 9, "minute": 9, "second": 49}
